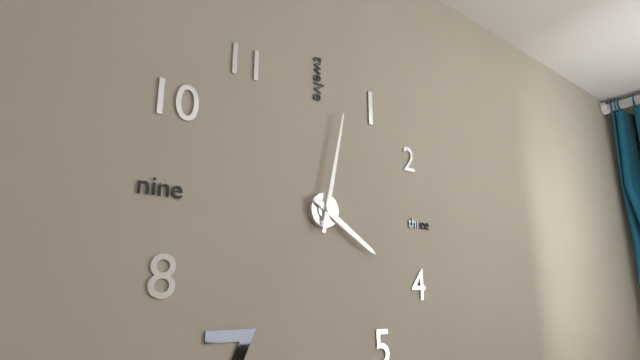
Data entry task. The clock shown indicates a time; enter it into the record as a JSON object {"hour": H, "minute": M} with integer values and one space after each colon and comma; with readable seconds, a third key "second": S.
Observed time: {"hour": 4, "minute": 2}
